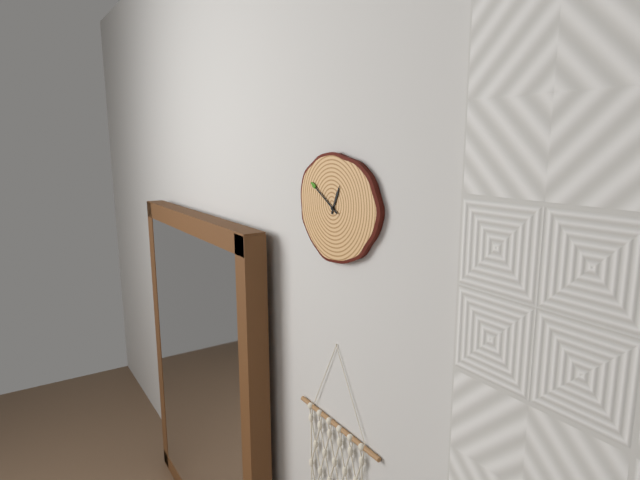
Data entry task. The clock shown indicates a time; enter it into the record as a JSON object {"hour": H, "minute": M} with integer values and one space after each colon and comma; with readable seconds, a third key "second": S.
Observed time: {"hour": 12, "minute": 50}
